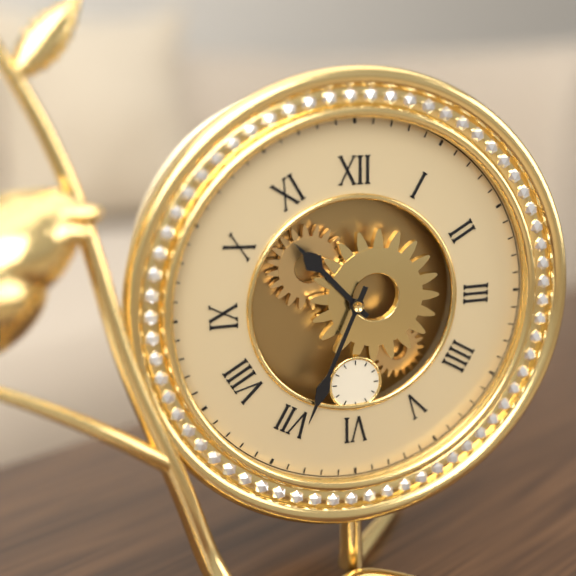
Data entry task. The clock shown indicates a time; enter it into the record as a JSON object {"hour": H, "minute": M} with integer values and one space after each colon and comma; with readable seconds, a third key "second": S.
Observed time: {"hour": 10, "minute": 34}
